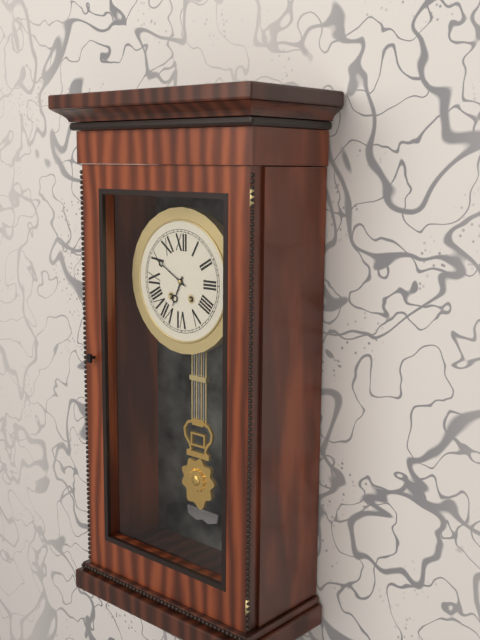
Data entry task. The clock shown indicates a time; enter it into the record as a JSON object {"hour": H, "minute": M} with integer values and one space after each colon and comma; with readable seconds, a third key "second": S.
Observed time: {"hour": 6, "minute": 50}
